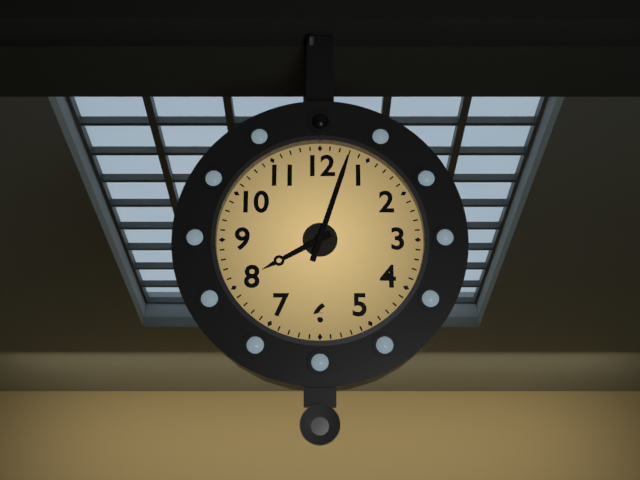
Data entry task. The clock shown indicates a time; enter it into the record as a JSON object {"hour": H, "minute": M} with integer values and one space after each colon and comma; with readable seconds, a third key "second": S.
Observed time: {"hour": 8, "minute": 3}
